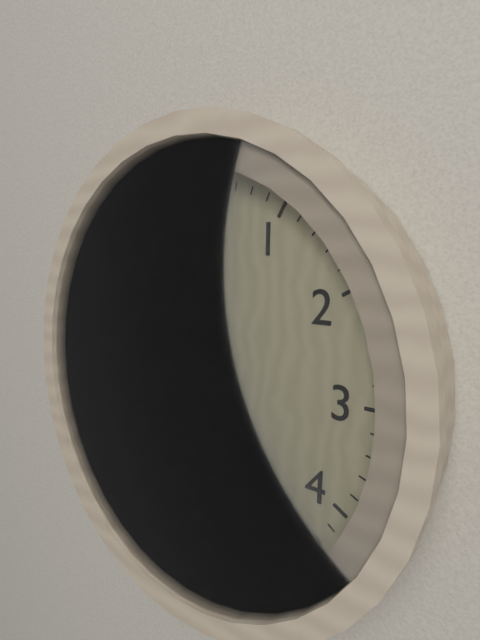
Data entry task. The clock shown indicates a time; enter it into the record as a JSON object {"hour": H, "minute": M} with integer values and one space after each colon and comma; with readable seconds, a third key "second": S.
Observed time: {"hour": 4, "minute": 22, "second": 0}
